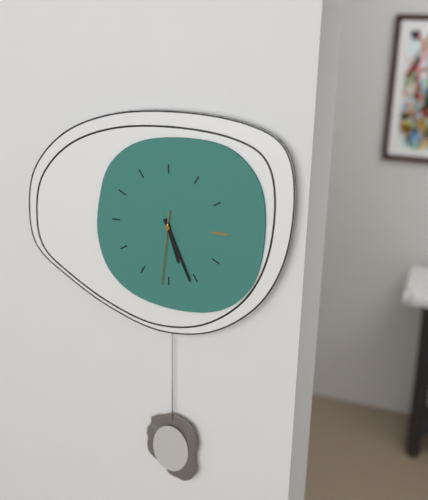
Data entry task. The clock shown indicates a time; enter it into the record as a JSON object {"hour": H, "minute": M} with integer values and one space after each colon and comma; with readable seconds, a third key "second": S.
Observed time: {"hour": 5, "minute": 26, "second": 31}
